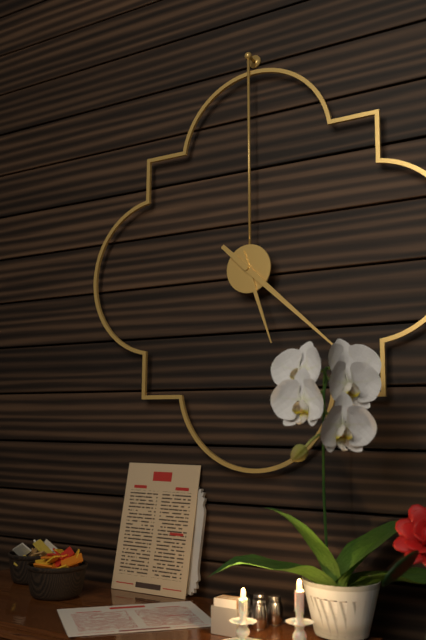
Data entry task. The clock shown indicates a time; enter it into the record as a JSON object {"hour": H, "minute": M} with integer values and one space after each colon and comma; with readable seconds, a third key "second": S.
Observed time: {"hour": 5, "minute": 22}
